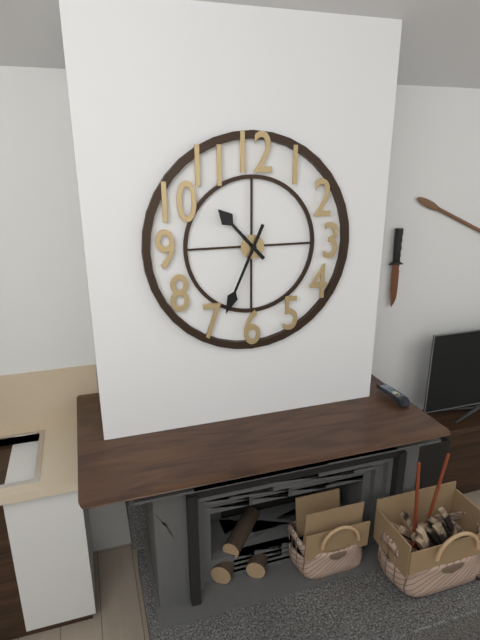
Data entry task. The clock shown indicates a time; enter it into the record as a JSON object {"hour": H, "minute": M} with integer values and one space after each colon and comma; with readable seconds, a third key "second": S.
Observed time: {"hour": 10, "minute": 34}
